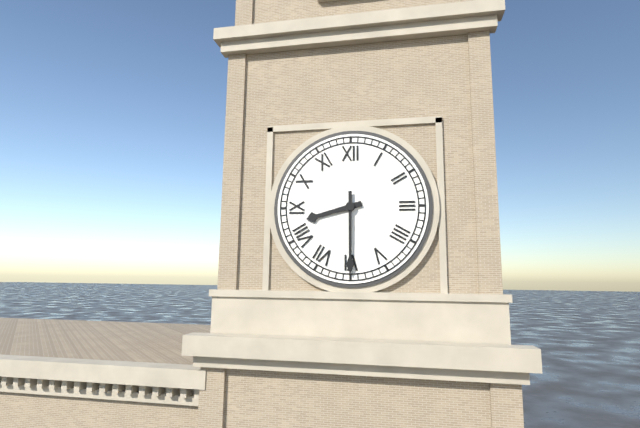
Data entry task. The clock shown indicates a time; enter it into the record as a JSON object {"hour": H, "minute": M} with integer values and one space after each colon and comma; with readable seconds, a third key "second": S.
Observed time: {"hour": 8, "minute": 30}
